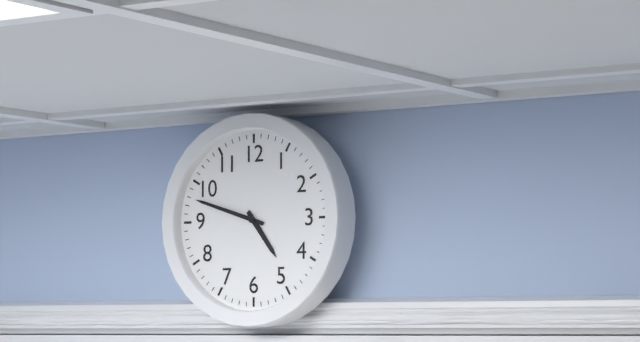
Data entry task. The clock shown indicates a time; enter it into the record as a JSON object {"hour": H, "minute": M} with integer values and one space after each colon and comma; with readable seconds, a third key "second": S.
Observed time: {"hour": 4, "minute": 48}
